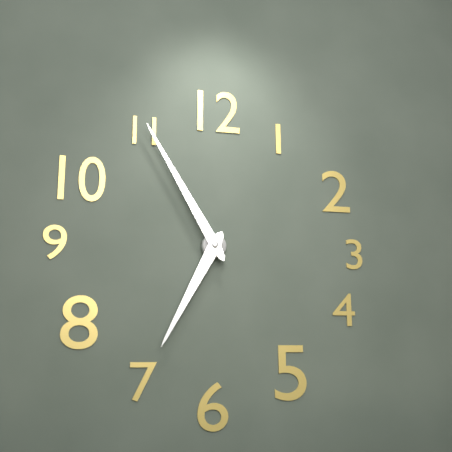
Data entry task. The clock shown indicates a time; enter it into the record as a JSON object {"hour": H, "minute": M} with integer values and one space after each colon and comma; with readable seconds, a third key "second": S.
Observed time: {"hour": 6, "minute": 55}
